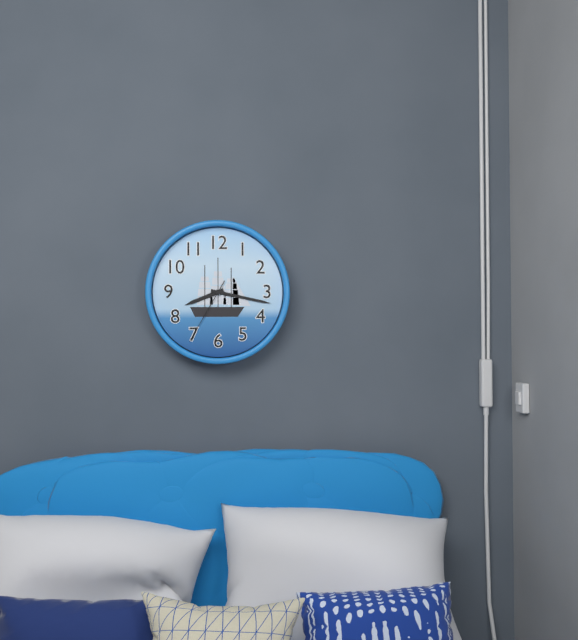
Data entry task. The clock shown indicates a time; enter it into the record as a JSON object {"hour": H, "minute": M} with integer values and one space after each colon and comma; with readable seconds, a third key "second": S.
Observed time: {"hour": 8, "minute": 17, "second": 35}
